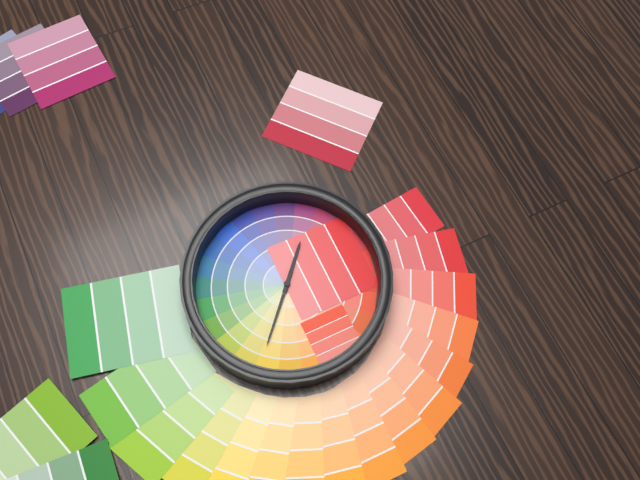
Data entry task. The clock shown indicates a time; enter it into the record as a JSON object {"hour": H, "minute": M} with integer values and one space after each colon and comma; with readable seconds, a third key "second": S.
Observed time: {"hour": 10, "minute": 22}
